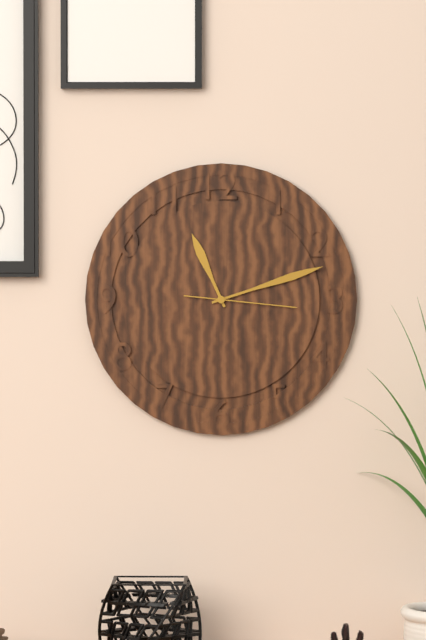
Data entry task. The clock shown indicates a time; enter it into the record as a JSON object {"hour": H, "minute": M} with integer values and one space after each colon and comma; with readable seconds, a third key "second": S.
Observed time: {"hour": 11, "minute": 12, "second": 16}
